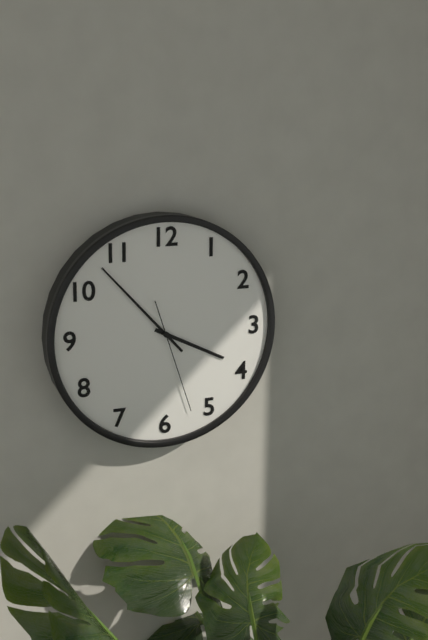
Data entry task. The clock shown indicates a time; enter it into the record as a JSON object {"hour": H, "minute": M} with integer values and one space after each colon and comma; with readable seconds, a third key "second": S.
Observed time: {"hour": 3, "minute": 53, "second": 27}
